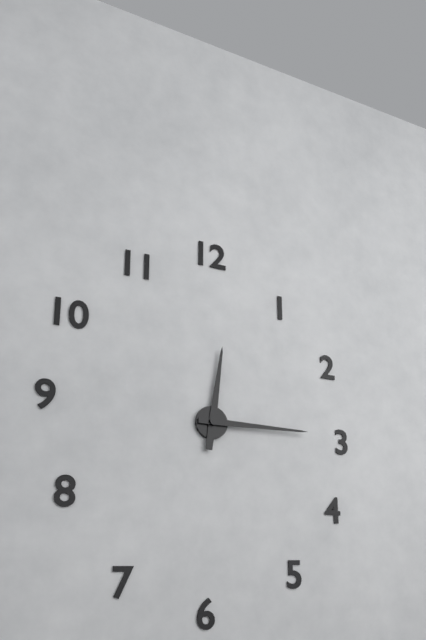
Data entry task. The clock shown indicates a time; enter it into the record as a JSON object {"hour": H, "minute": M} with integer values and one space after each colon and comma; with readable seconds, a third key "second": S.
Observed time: {"hour": 12, "minute": 15}
